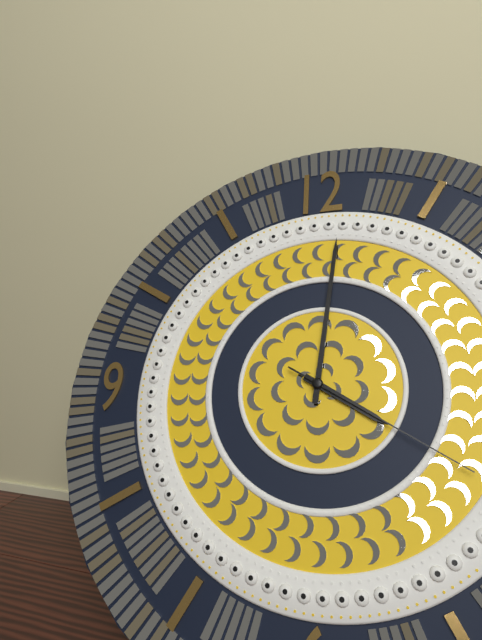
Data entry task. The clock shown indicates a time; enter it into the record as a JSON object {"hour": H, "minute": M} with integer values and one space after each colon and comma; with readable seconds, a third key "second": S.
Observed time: {"hour": 4, "minute": 1, "second": 20}
